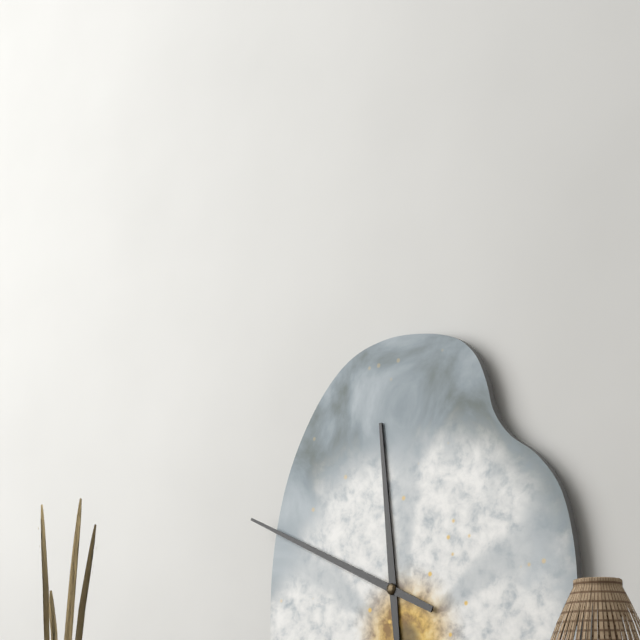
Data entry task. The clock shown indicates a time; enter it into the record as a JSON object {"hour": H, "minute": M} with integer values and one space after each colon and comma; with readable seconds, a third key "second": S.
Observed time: {"hour": 11, "minute": 49}
